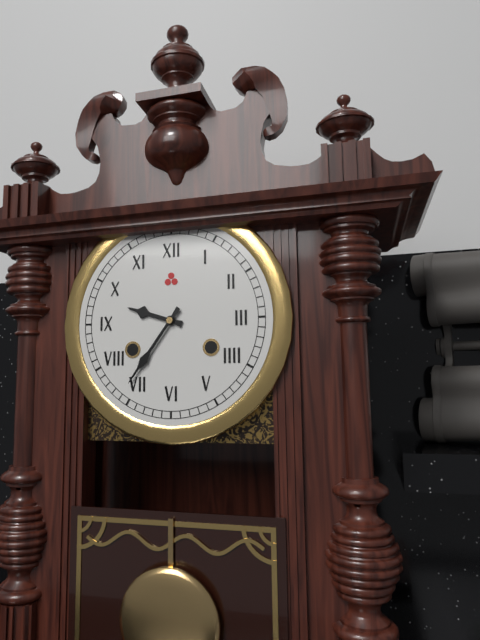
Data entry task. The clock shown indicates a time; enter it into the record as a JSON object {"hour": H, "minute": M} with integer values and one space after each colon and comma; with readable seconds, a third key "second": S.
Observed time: {"hour": 9, "minute": 36}
